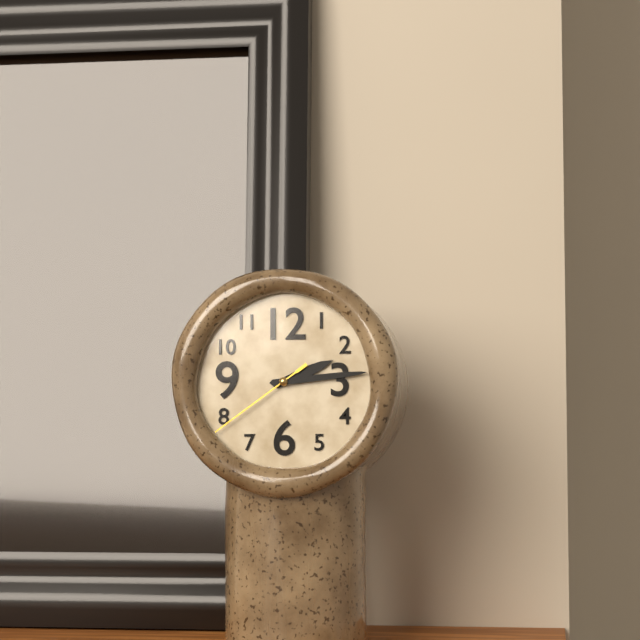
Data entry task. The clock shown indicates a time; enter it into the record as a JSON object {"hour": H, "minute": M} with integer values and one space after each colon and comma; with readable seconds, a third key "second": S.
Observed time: {"hour": 2, "minute": 14, "second": 39}
